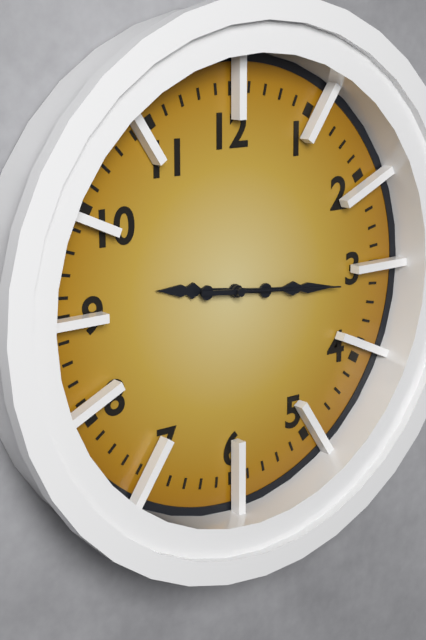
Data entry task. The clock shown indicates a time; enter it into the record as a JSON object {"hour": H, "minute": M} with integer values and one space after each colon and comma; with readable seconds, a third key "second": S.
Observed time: {"hour": 9, "minute": 16, "second": 16}
